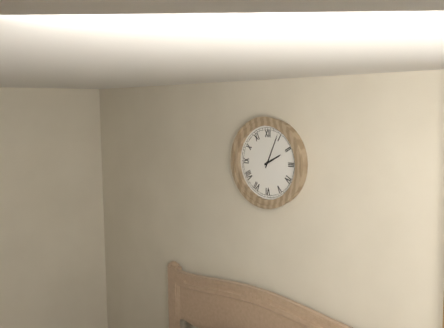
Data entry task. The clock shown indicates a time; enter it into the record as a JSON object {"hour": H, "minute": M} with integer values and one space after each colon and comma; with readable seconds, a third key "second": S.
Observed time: {"hour": 2, "minute": 4}
